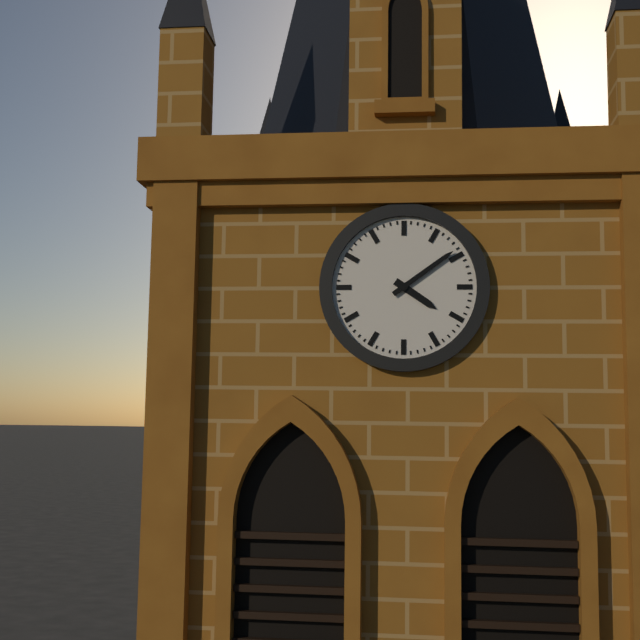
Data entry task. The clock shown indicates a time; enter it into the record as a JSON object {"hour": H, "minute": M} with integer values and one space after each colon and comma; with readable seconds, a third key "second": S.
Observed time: {"hour": 4, "minute": 9}
